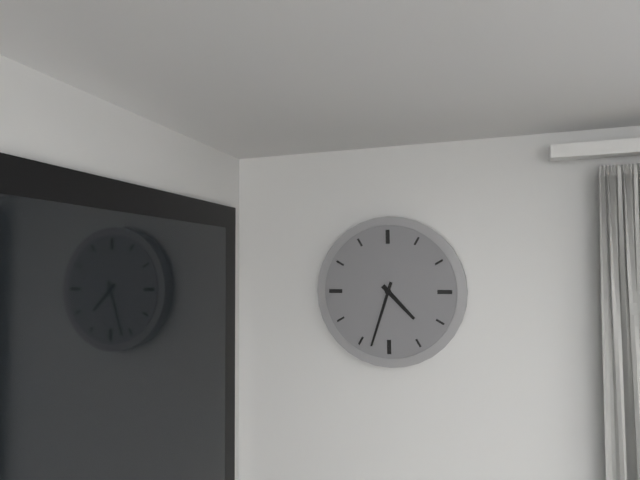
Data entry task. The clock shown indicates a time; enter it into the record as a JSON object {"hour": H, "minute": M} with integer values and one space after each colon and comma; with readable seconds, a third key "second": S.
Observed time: {"hour": 4, "minute": 33}
